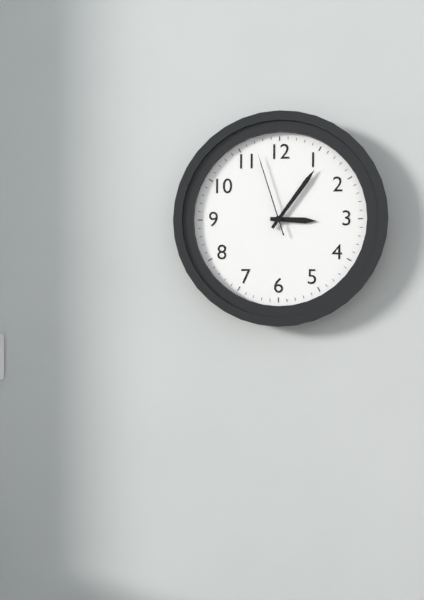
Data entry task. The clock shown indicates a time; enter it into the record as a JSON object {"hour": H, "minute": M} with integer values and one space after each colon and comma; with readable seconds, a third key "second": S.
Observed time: {"hour": 3, "minute": 6, "second": 57}
